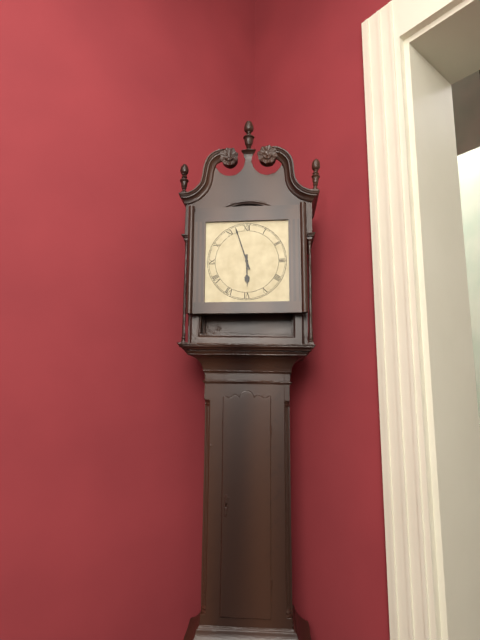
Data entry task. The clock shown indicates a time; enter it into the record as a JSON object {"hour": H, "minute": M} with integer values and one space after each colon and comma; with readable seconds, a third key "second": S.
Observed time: {"hour": 5, "minute": 57}
